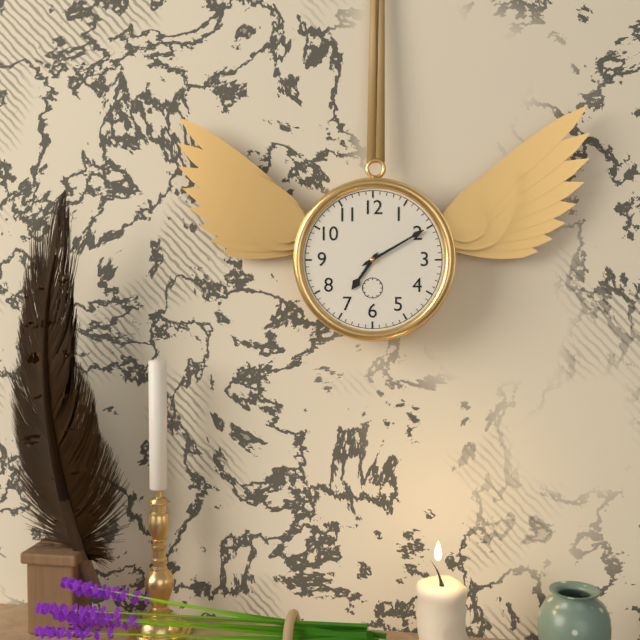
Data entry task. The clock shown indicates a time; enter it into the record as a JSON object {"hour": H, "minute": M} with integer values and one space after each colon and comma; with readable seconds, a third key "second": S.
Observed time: {"hour": 7, "minute": 10}
